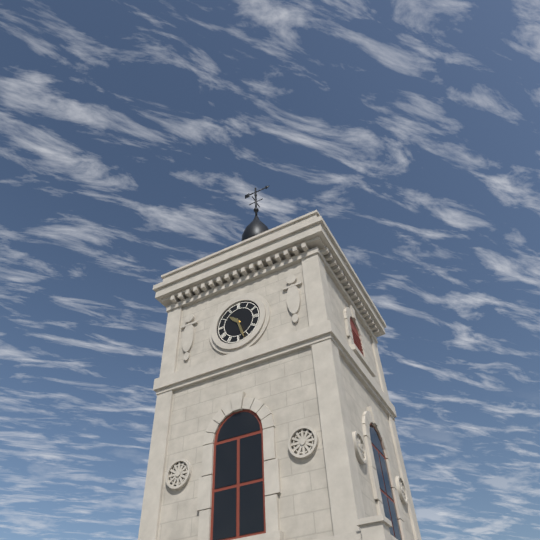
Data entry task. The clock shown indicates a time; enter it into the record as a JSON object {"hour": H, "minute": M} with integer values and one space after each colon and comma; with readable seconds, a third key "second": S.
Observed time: {"hour": 10, "minute": 27}
